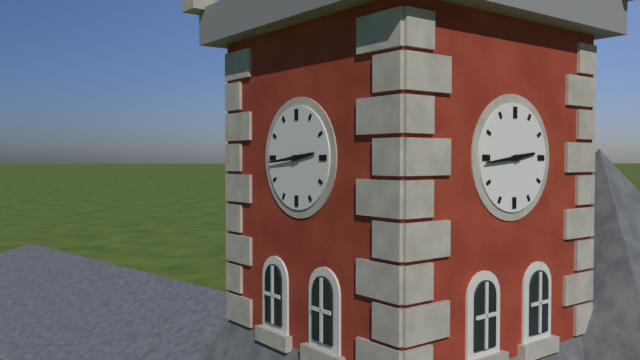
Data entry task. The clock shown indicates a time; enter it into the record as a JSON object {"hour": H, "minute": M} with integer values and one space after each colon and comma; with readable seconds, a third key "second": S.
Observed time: {"hour": 2, "minute": 44}
